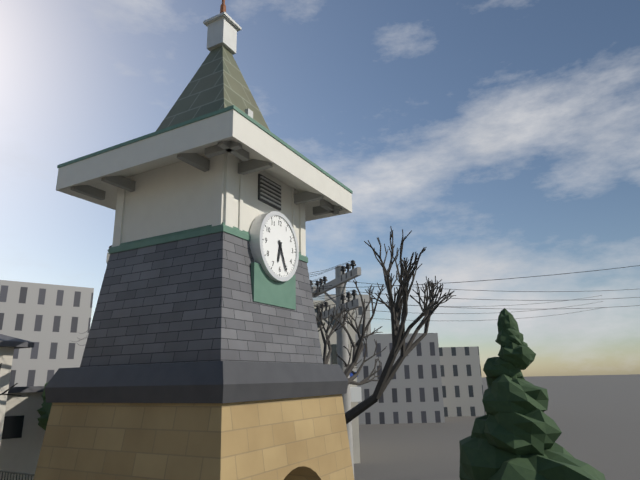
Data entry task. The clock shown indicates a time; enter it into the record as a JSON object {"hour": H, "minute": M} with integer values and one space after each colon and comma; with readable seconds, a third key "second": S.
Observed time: {"hour": 6, "minute": 26}
